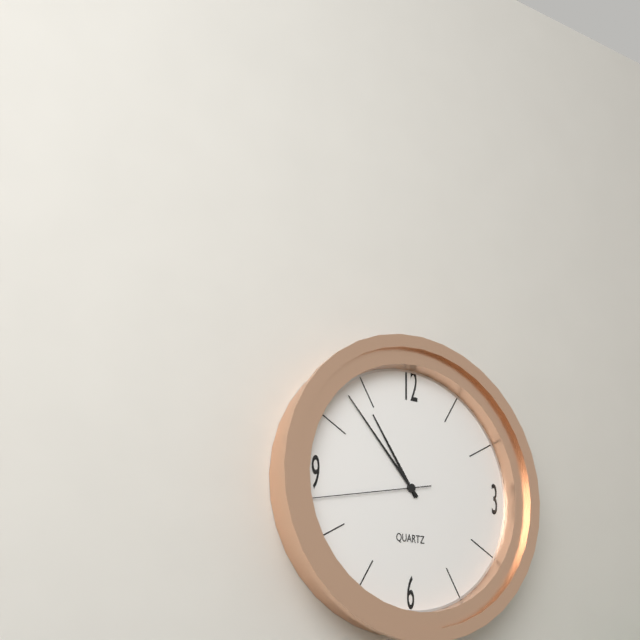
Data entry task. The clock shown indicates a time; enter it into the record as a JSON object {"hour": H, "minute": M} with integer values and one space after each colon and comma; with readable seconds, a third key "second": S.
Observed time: {"hour": 10, "minute": 53, "second": 43}
